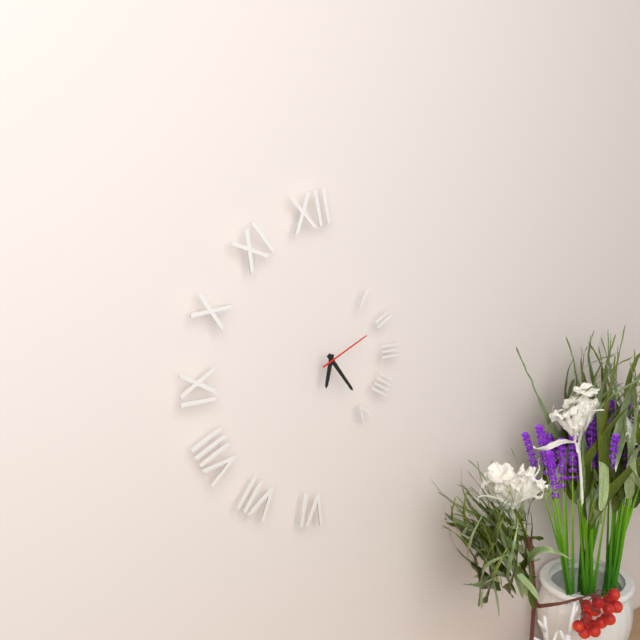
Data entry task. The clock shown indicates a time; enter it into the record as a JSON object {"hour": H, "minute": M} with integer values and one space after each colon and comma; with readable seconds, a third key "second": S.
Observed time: {"hour": 6, "minute": 24, "second": 11}
